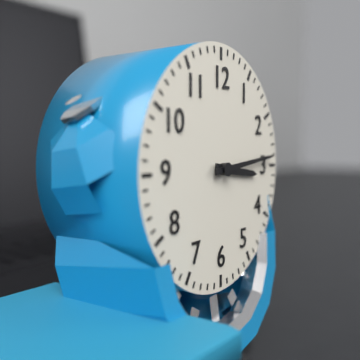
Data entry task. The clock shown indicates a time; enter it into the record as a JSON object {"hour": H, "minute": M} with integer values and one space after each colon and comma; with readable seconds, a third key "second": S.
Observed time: {"hour": 3, "minute": 14}
